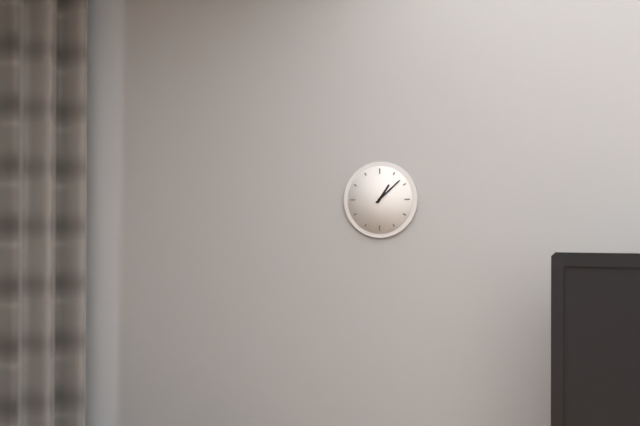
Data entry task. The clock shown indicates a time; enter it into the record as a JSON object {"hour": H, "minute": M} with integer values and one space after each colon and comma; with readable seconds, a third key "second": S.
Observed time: {"hour": 1, "minute": 8}
